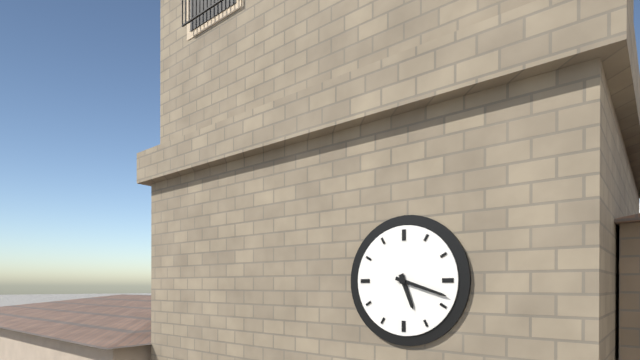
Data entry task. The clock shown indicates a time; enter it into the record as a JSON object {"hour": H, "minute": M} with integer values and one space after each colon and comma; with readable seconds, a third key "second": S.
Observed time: {"hour": 5, "minute": 18}
